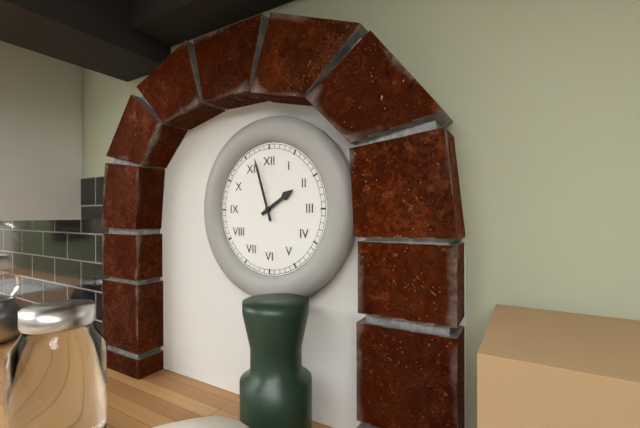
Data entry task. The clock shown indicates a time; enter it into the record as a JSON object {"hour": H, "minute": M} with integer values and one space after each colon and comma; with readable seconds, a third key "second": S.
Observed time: {"hour": 1, "minute": 57}
